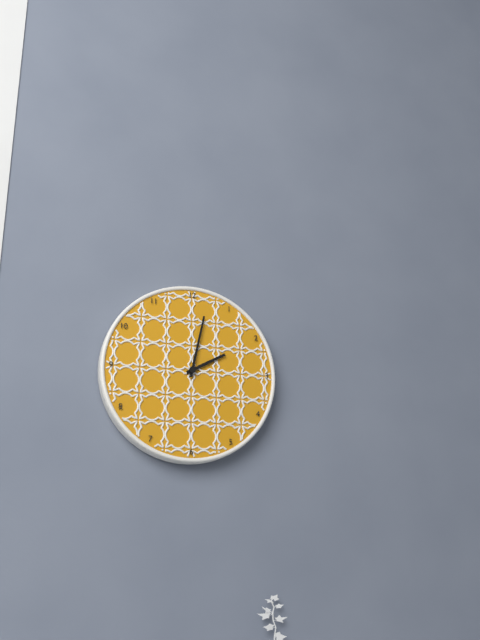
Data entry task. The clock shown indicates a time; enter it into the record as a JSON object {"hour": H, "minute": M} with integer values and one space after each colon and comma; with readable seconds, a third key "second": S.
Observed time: {"hour": 2, "minute": 2}
